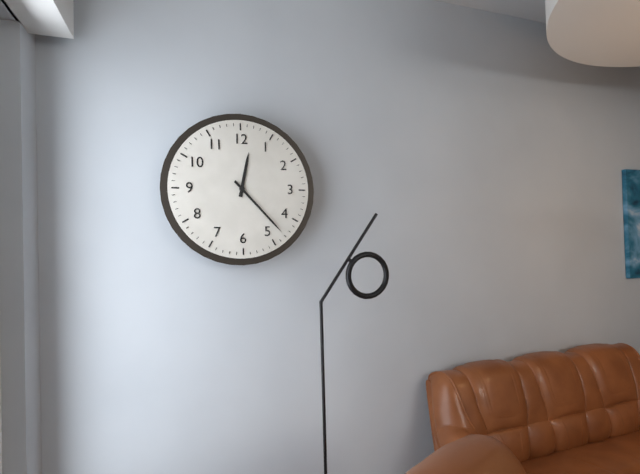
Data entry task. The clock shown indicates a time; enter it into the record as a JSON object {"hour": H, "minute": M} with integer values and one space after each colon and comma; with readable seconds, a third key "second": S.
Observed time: {"hour": 12, "minute": 23}
